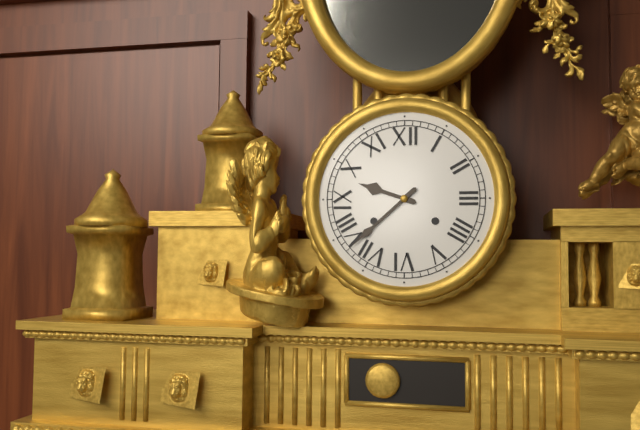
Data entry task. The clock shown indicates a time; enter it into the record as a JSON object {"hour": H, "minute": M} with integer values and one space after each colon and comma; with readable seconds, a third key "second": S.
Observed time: {"hour": 9, "minute": 38}
